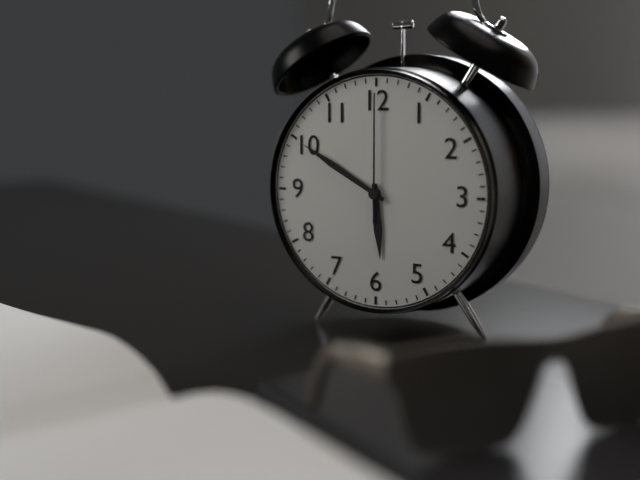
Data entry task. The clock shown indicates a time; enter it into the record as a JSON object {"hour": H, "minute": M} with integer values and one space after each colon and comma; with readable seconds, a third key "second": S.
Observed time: {"hour": 5, "minute": 50, "second": 0}
